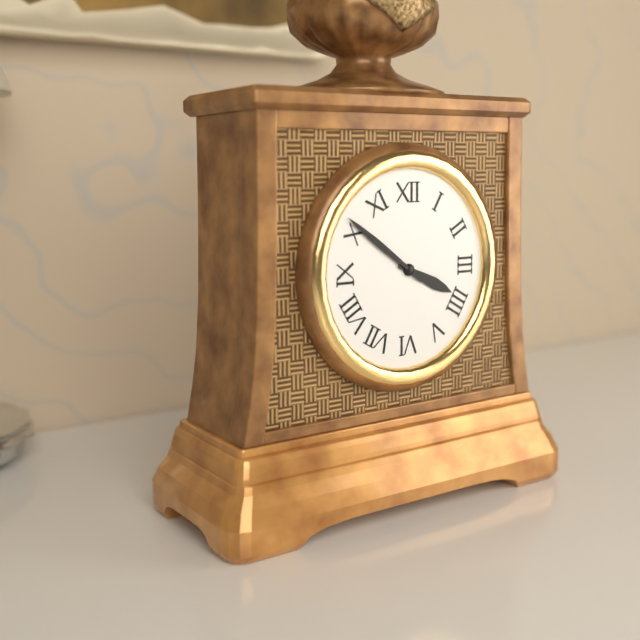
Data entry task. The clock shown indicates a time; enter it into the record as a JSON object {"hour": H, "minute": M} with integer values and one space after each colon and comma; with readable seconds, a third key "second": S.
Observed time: {"hour": 3, "minute": 51}
